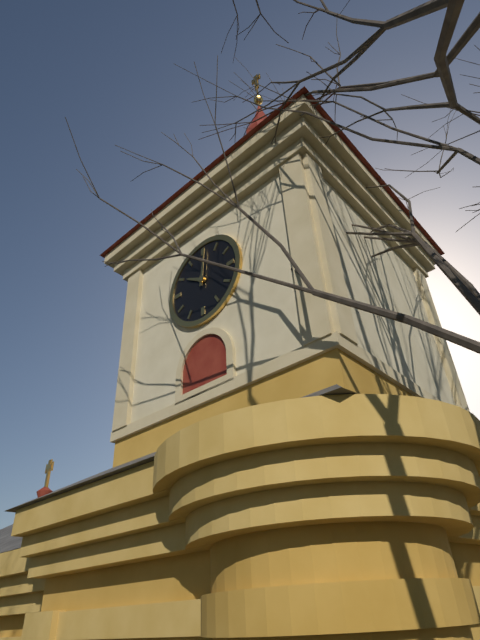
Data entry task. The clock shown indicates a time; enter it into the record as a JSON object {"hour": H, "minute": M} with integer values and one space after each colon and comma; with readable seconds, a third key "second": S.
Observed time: {"hour": 10, "minute": 1}
